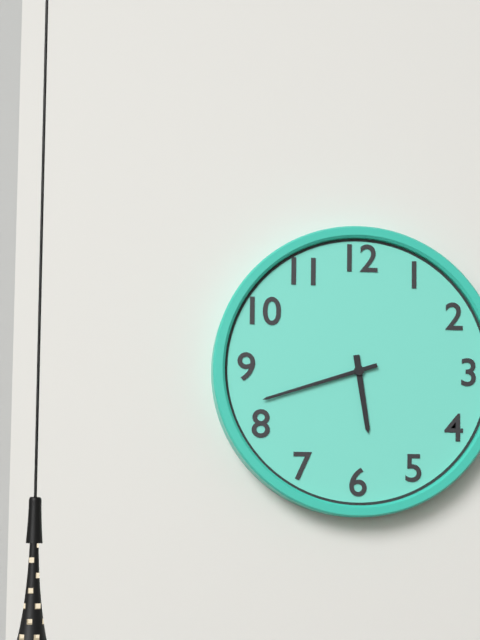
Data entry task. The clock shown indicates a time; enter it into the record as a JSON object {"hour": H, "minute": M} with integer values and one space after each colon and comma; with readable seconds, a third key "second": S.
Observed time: {"hour": 5, "minute": 42}
